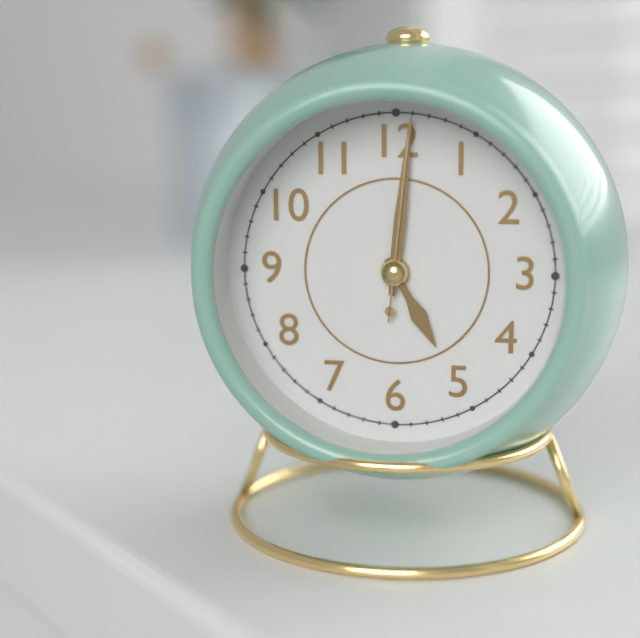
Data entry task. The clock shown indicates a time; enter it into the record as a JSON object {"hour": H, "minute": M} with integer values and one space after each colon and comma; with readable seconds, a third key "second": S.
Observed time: {"hour": 5, "minute": 1, "second": 1}
